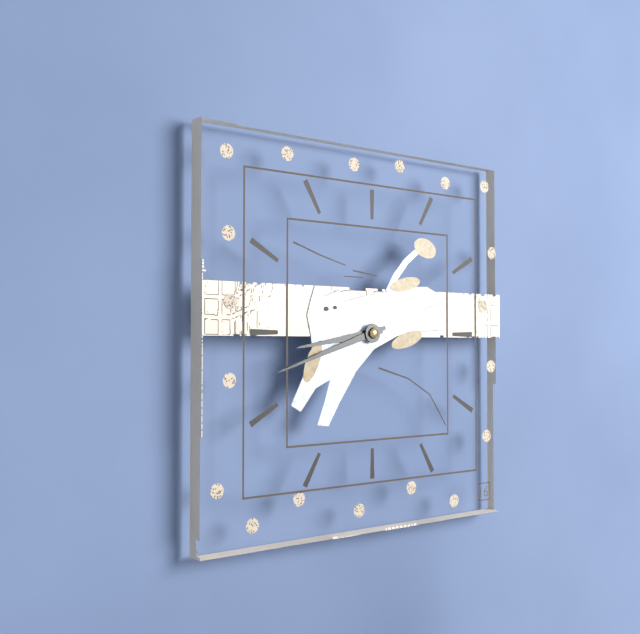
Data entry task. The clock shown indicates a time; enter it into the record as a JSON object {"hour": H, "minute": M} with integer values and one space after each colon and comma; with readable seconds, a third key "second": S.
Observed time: {"hour": 8, "minute": 42}
